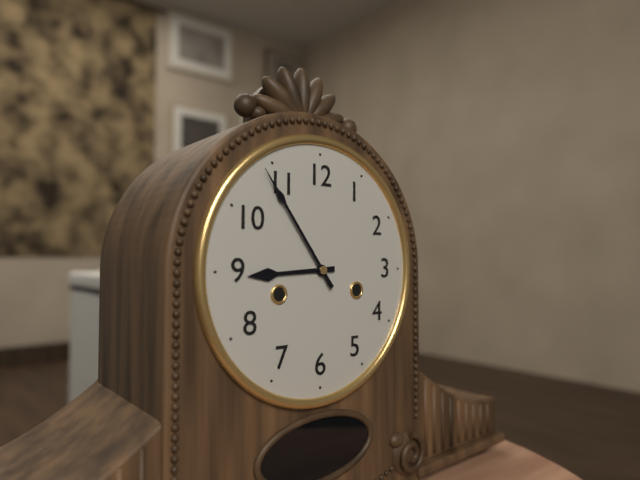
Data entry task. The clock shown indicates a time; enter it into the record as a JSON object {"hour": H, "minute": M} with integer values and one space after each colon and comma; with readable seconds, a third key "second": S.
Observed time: {"hour": 8, "minute": 54}
